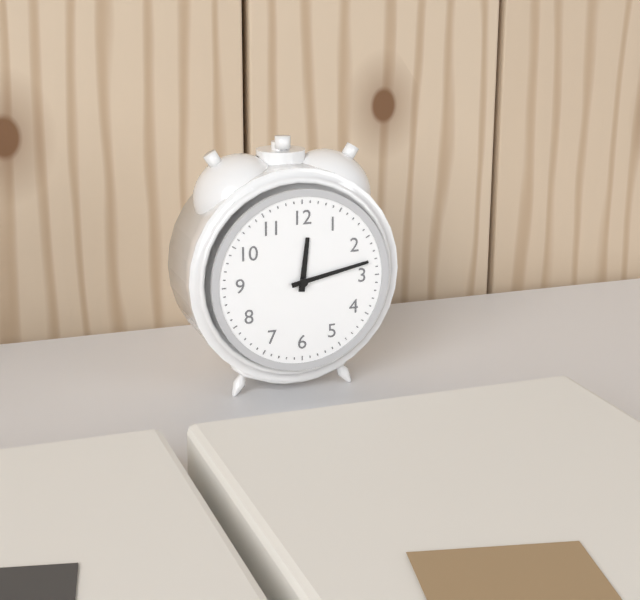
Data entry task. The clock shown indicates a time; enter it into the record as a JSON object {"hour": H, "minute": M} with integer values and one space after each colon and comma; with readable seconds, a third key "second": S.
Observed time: {"hour": 12, "minute": 13}
